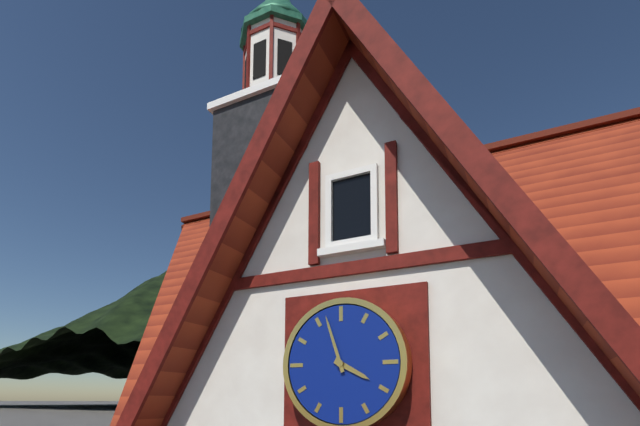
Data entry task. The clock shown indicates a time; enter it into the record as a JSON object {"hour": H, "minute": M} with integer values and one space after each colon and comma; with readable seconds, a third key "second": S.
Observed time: {"hour": 3, "minute": 57}
